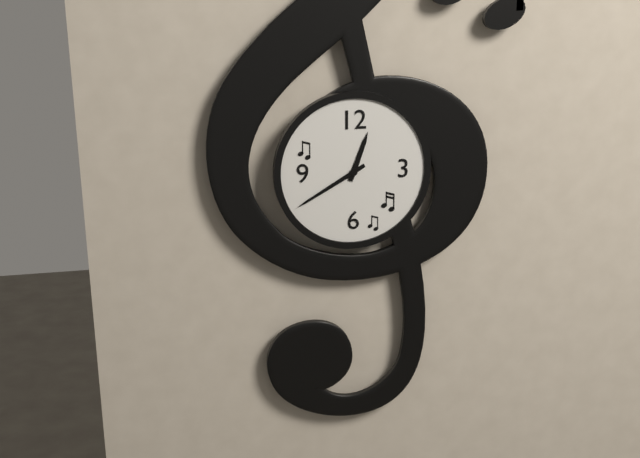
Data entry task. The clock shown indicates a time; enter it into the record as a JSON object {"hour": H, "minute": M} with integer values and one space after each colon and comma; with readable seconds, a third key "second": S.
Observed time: {"hour": 12, "minute": 40}
